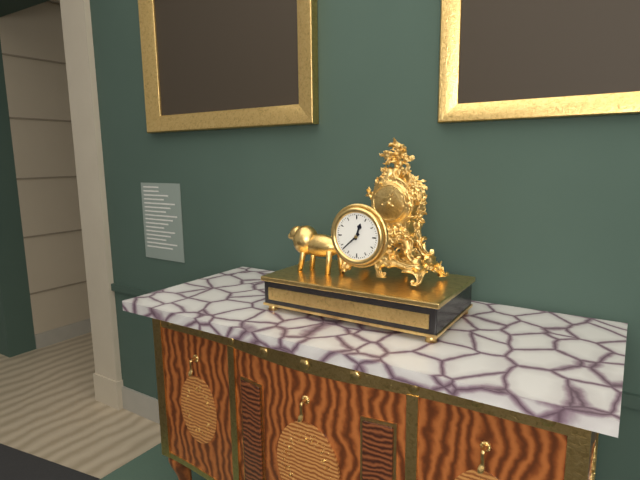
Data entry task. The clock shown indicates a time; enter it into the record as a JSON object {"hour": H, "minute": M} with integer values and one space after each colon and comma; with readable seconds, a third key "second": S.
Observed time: {"hour": 12, "minute": 38}
